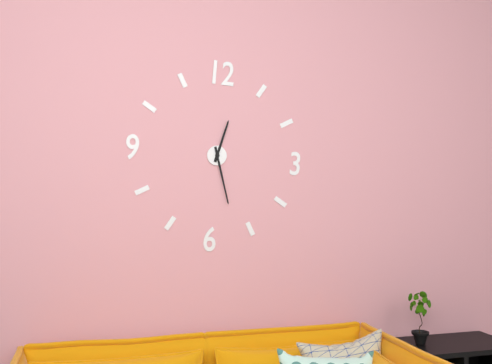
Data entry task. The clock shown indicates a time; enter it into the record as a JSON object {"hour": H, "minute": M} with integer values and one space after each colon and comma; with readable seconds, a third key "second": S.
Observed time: {"hour": 12, "minute": 27}
